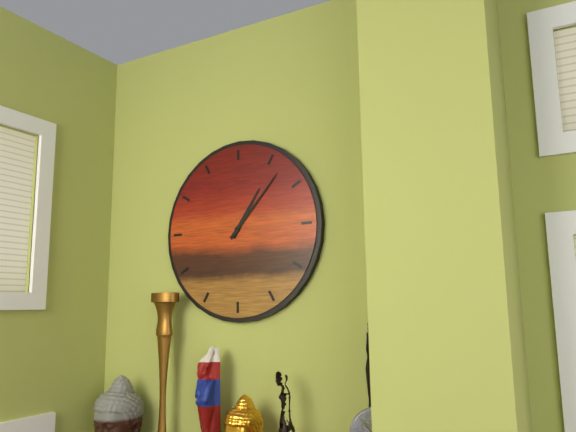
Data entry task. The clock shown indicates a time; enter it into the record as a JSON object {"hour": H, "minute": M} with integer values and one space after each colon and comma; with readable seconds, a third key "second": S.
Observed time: {"hour": 1, "minute": 7}
